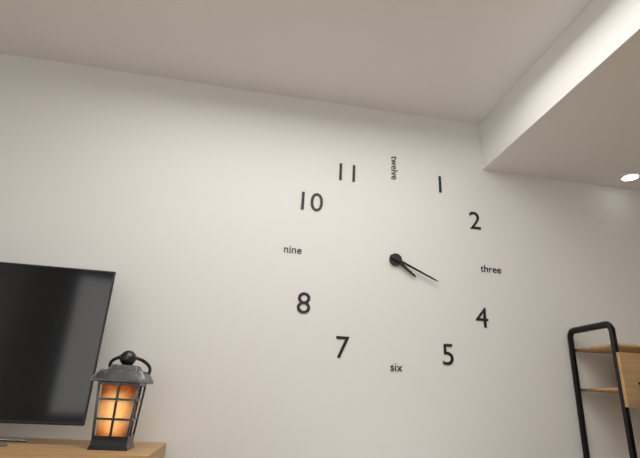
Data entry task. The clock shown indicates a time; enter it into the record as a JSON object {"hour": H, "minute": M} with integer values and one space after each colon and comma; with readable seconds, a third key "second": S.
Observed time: {"hour": 4, "minute": 19}
